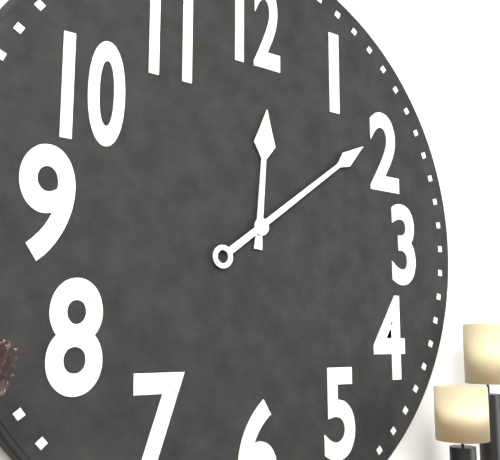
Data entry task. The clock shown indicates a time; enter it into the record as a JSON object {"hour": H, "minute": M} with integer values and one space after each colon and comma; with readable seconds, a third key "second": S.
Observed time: {"hour": 12, "minute": 9}
